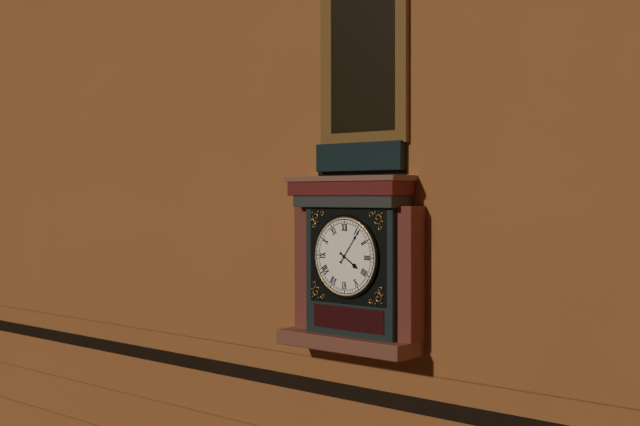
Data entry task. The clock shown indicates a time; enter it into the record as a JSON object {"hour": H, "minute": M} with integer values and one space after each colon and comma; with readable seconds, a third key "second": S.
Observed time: {"hour": 4, "minute": 6}
